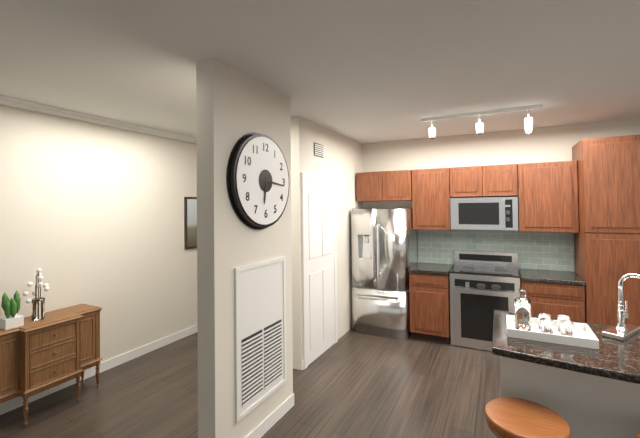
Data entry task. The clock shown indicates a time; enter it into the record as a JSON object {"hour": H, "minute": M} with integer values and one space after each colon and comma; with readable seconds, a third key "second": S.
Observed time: {"hour": 6, "minute": 16}
